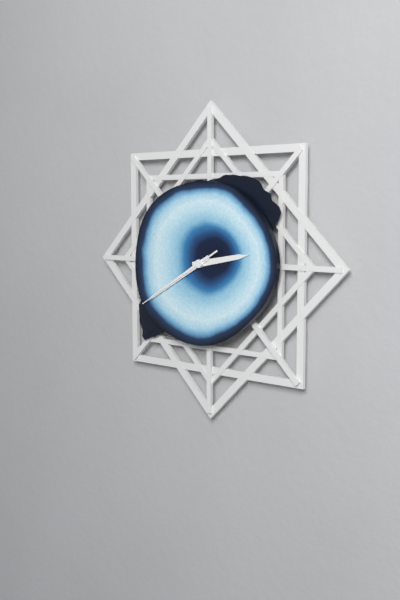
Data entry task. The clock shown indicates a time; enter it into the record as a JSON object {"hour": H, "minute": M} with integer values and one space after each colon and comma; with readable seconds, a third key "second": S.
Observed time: {"hour": 2, "minute": 40, "second": 40}
